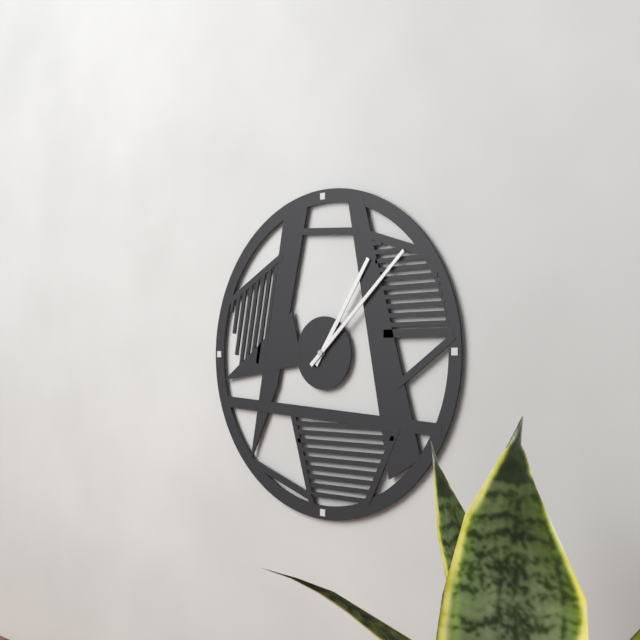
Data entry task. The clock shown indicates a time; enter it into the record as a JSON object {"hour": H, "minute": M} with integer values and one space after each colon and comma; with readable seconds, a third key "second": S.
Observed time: {"hour": 1, "minute": 8}
